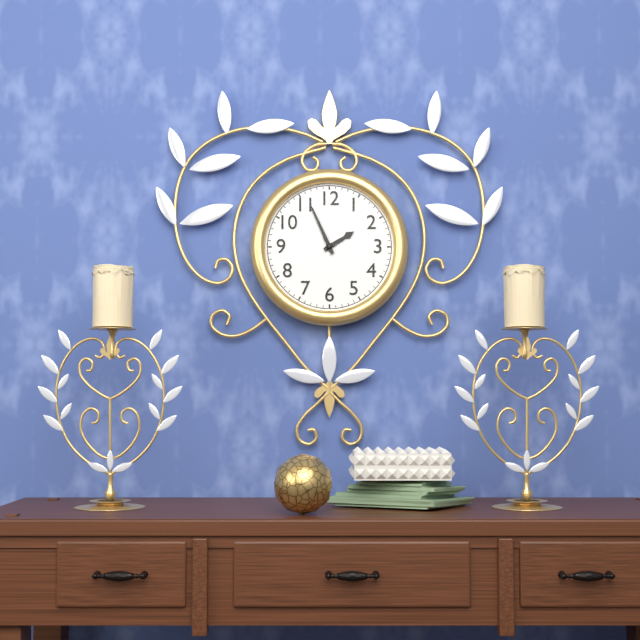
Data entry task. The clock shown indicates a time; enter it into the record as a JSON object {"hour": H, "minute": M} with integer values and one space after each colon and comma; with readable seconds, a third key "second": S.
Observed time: {"hour": 1, "minute": 56}
